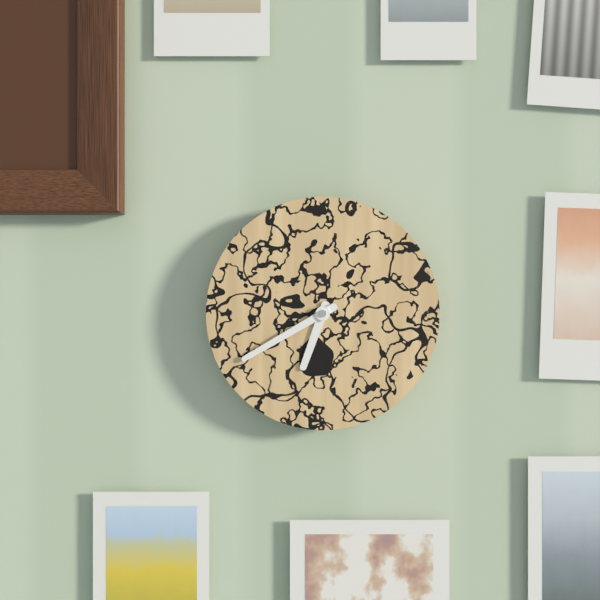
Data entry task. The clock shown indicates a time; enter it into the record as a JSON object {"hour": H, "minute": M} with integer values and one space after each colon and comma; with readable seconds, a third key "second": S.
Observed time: {"hour": 6, "minute": 40}
